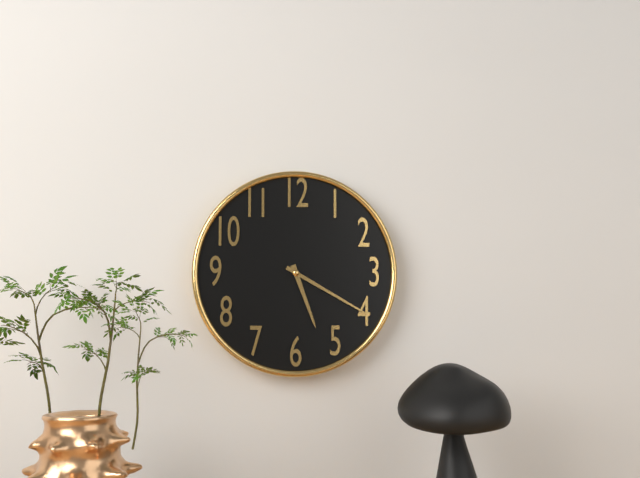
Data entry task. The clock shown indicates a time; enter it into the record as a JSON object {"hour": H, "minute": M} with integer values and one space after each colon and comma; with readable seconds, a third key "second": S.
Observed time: {"hour": 5, "minute": 20}
